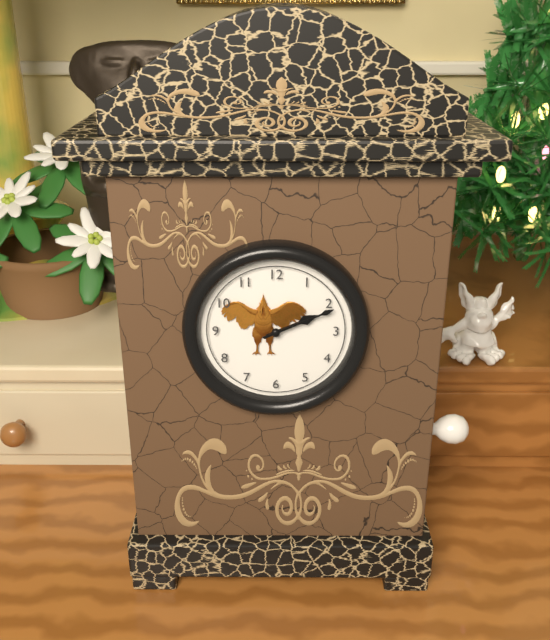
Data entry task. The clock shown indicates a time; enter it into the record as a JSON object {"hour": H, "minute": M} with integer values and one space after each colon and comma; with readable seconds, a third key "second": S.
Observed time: {"hour": 2, "minute": 11}
